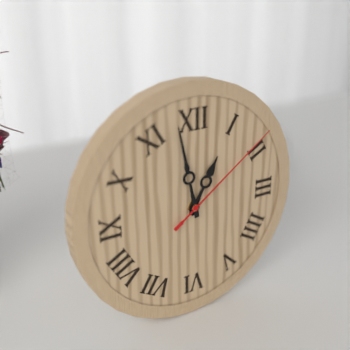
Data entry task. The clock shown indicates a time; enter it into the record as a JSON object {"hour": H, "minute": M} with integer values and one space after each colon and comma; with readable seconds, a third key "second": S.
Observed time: {"hour": 12, "minute": 58, "second": 9}
